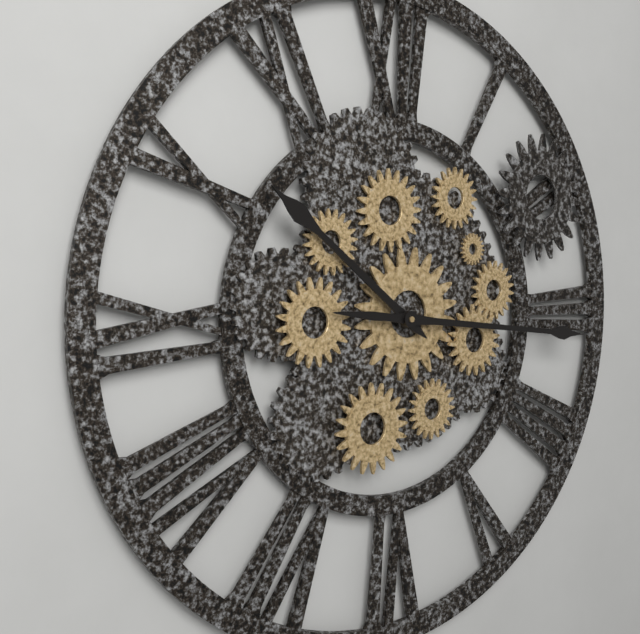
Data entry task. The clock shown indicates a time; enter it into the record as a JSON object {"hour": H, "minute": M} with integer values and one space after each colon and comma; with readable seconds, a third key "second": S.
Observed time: {"hour": 10, "minute": 16}
